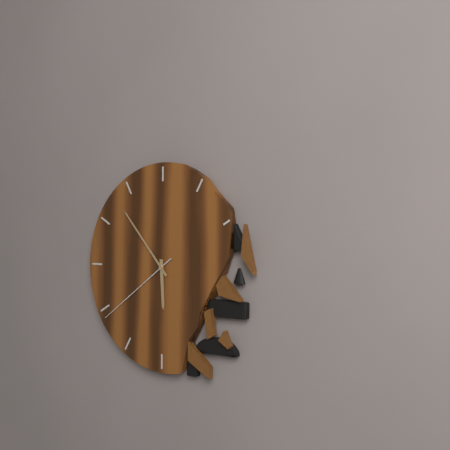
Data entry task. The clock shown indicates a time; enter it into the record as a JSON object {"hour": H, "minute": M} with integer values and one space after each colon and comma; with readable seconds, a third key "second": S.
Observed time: {"hour": 5, "minute": 53, "second": 39}
